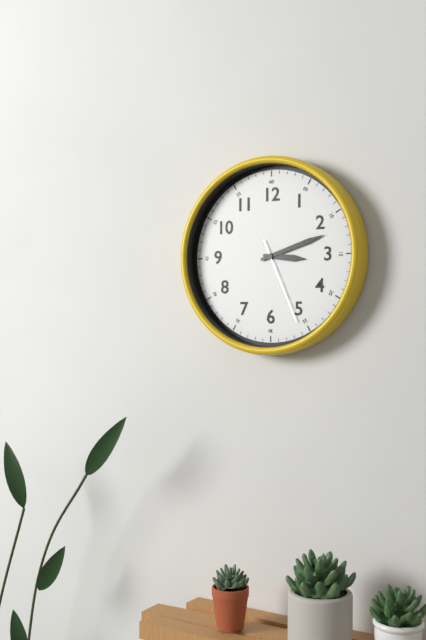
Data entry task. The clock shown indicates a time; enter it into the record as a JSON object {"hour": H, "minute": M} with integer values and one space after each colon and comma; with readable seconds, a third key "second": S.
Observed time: {"hour": 3, "minute": 12, "second": 26}
